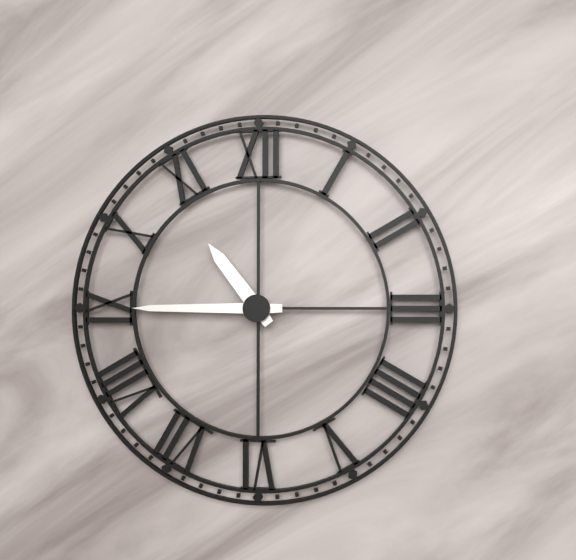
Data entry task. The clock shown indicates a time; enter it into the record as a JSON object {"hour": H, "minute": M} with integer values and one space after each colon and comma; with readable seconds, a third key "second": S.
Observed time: {"hour": 10, "minute": 45}
